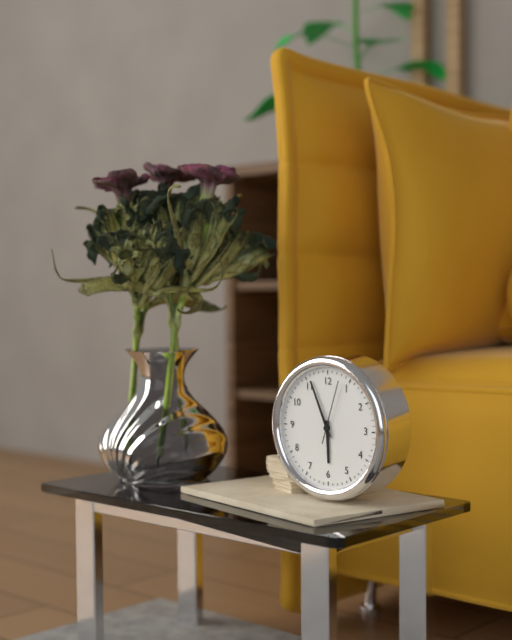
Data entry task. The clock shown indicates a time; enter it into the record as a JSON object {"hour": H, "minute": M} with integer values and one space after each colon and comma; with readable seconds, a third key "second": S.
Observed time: {"hour": 5, "minute": 56, "second": 3}
